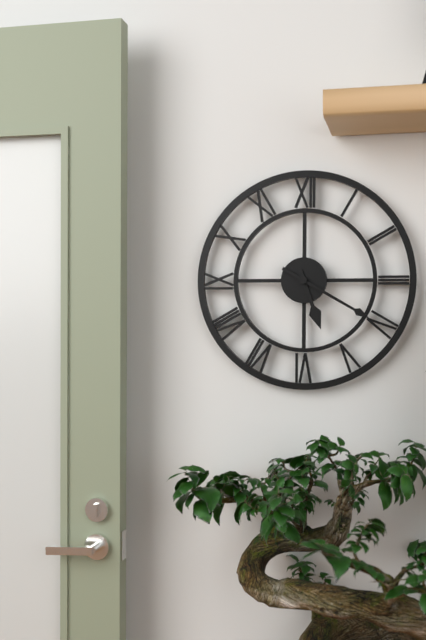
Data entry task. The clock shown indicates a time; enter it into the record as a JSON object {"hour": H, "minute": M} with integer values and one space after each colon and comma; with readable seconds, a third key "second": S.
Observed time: {"hour": 5, "minute": 20}
